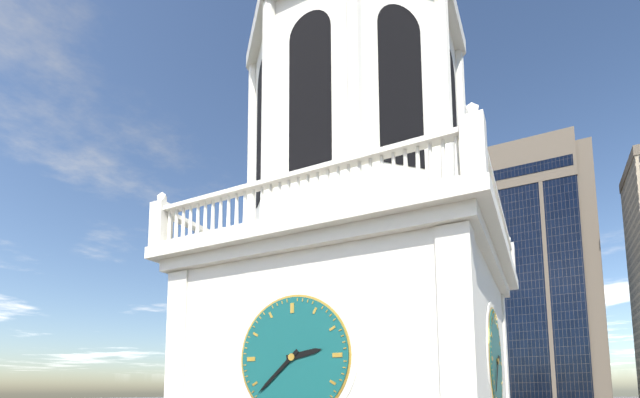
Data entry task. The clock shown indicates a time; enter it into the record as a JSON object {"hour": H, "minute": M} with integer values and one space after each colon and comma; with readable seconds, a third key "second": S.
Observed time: {"hour": 2, "minute": 38}
